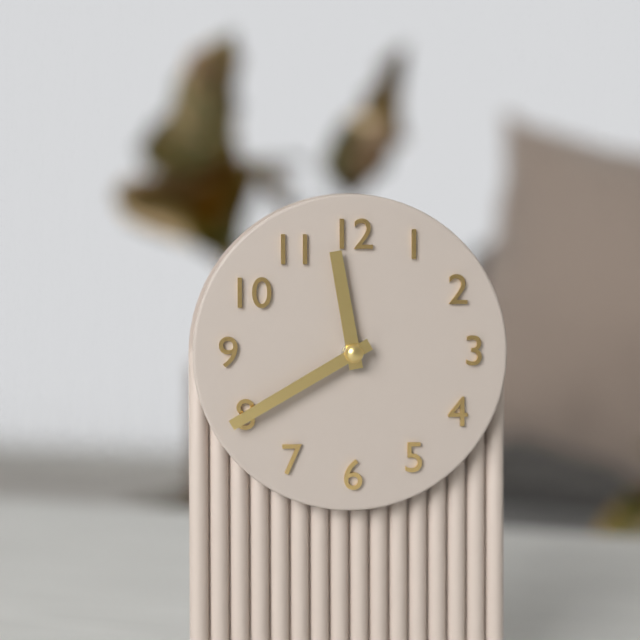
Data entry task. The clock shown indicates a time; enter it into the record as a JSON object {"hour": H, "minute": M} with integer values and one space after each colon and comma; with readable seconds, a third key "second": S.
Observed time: {"hour": 11, "minute": 40}
